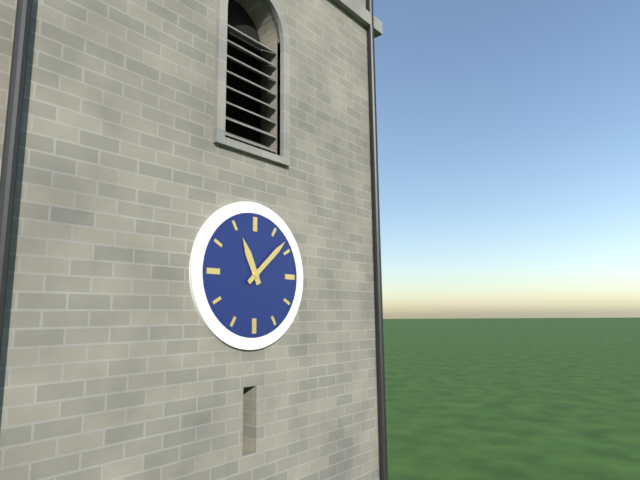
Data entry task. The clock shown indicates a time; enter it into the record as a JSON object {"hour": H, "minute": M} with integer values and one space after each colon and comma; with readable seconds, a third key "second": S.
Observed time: {"hour": 11, "minute": 8}
